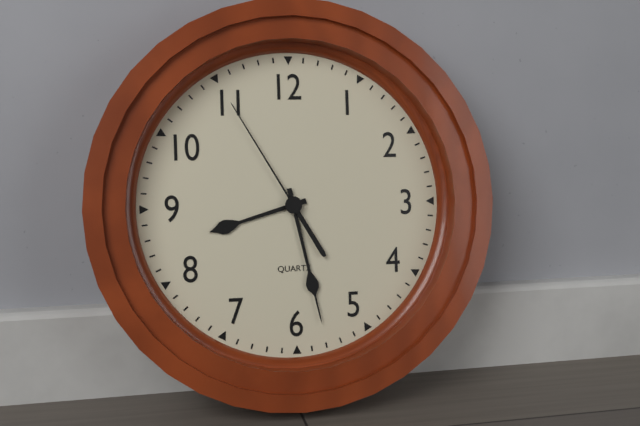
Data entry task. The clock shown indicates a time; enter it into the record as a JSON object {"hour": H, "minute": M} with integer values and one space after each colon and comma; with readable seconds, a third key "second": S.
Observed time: {"hour": 8, "minute": 28, "second": 55}
